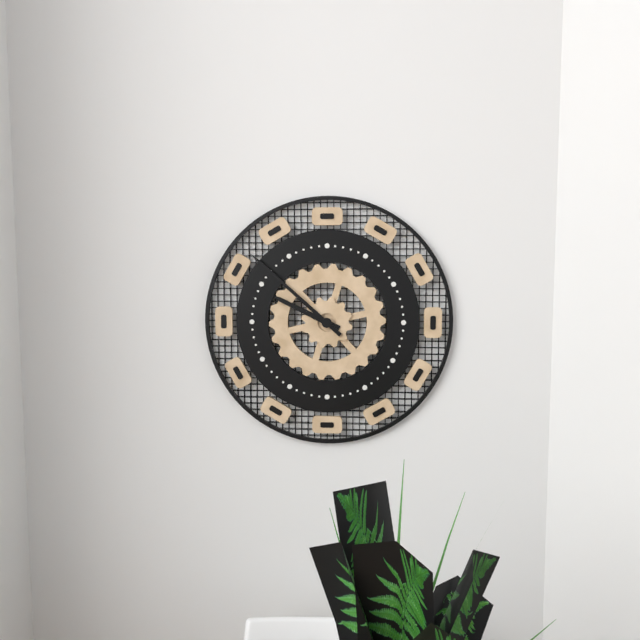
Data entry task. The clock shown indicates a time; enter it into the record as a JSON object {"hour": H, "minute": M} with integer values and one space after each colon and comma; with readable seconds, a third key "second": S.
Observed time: {"hour": 9, "minute": 52}
